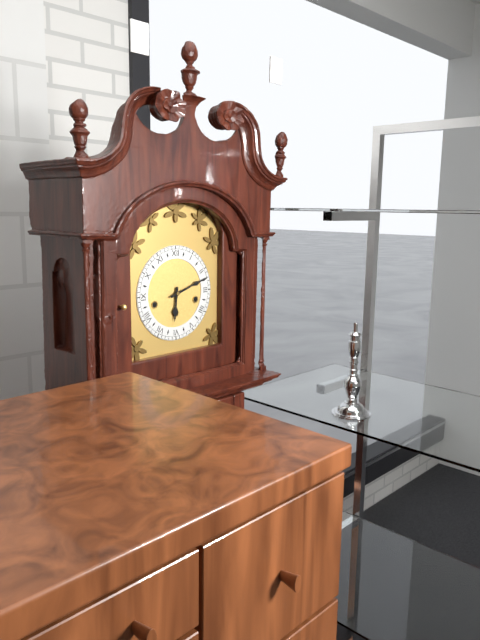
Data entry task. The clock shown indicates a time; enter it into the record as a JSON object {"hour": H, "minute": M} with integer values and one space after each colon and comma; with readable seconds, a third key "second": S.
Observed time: {"hour": 6, "minute": 12}
